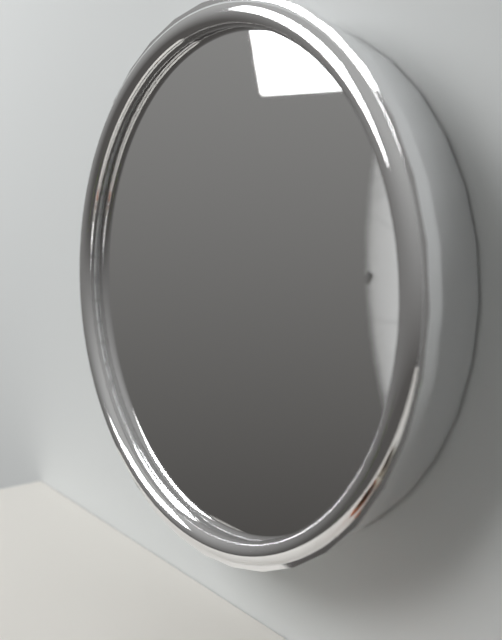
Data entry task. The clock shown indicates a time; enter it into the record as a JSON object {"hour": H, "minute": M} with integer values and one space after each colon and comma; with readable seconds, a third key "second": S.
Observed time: {"hour": 7, "minute": 57}
